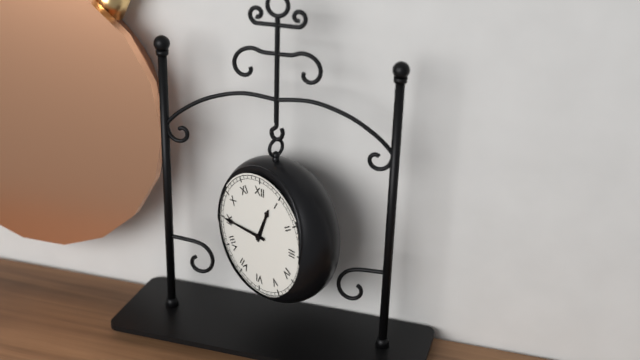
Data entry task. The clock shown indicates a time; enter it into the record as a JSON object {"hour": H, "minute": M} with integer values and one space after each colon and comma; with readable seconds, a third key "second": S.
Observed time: {"hour": 12, "minute": 45}
